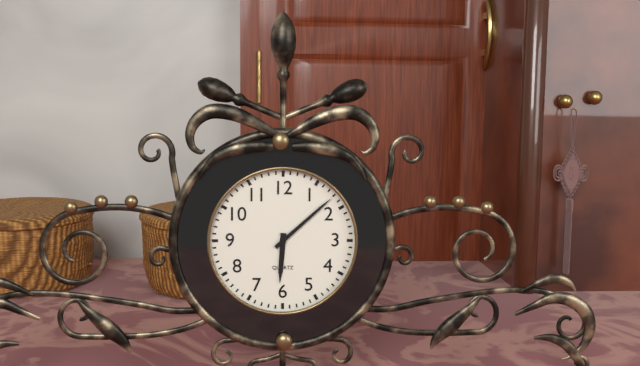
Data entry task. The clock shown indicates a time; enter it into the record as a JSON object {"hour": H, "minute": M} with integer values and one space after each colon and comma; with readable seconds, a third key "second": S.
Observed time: {"hour": 6, "minute": 8}
